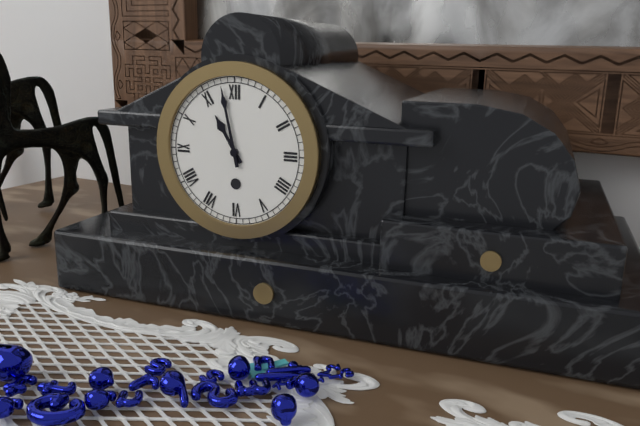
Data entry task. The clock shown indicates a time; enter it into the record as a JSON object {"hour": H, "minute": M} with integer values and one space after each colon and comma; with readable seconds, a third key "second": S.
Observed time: {"hour": 10, "minute": 58}
